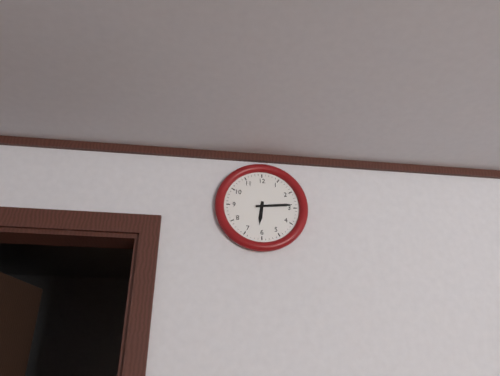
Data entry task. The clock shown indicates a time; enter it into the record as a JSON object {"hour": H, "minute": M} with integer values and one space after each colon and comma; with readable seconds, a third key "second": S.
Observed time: {"hour": 6, "minute": 14}
